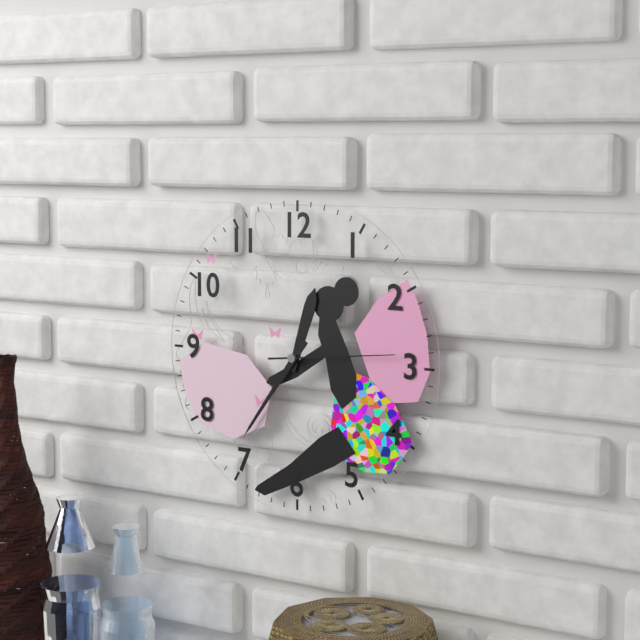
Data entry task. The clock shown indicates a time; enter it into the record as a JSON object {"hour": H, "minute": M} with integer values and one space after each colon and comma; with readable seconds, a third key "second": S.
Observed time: {"hour": 12, "minute": 36, "second": 14}
